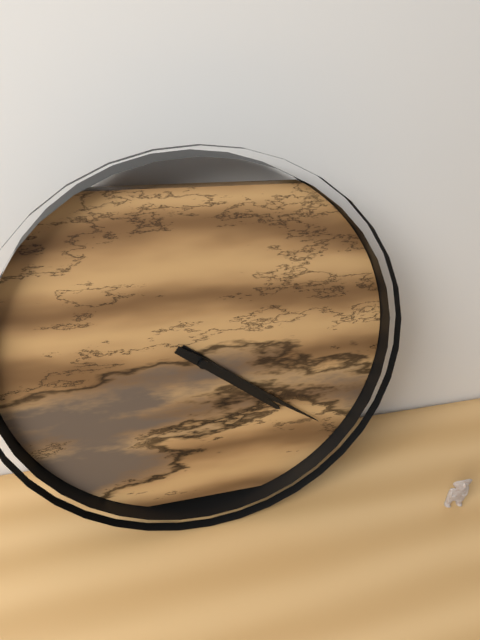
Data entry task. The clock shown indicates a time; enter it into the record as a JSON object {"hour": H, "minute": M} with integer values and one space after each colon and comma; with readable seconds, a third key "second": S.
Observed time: {"hour": 4, "minute": 21}
